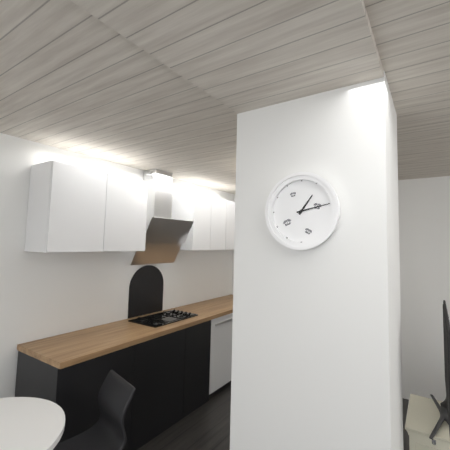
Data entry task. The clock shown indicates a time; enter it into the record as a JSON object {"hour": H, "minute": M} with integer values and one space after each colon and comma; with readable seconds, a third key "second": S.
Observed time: {"hour": 1, "minute": 13}
